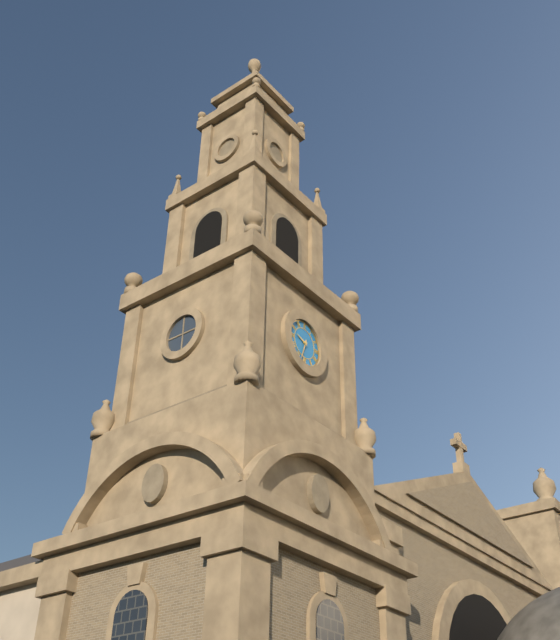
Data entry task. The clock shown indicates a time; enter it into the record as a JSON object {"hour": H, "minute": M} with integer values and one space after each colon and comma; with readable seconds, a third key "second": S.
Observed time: {"hour": 9, "minute": 33}
